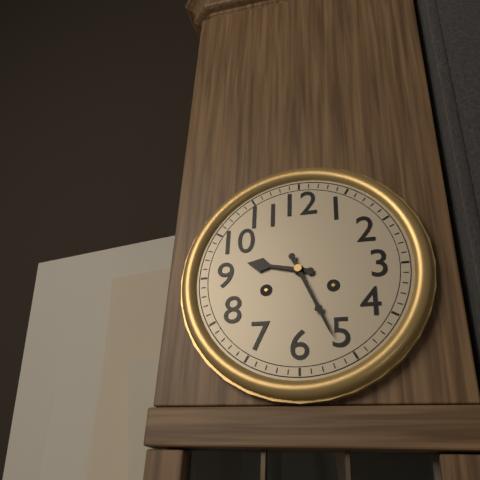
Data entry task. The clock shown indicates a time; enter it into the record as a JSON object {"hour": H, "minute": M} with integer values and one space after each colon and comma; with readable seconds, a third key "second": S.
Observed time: {"hour": 9, "minute": 26}
